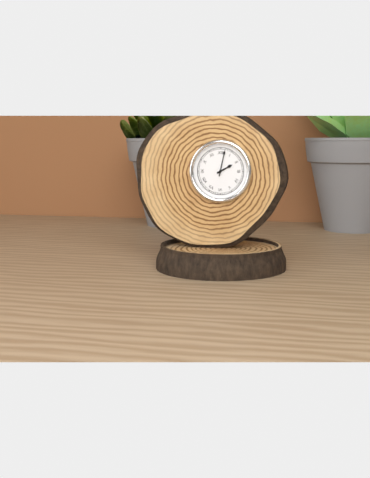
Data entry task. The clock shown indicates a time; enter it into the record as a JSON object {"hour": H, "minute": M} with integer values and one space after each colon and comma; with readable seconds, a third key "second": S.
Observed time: {"hour": 2, "minute": 2}
